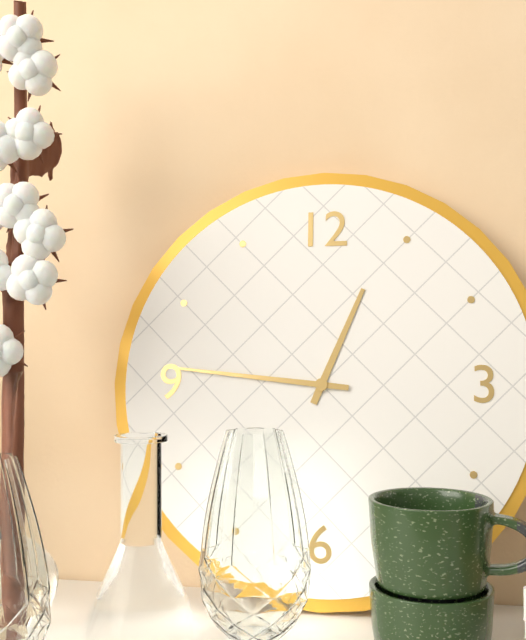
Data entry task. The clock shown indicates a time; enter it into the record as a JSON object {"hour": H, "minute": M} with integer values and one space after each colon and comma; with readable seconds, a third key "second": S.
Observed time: {"hour": 12, "minute": 46}
